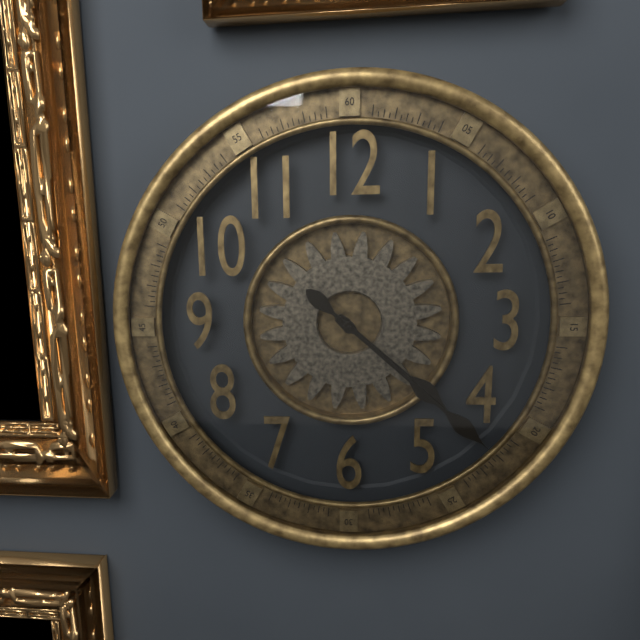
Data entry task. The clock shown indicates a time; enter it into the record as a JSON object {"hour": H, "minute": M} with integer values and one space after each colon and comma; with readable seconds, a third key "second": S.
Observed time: {"hour": 4, "minute": 22}
